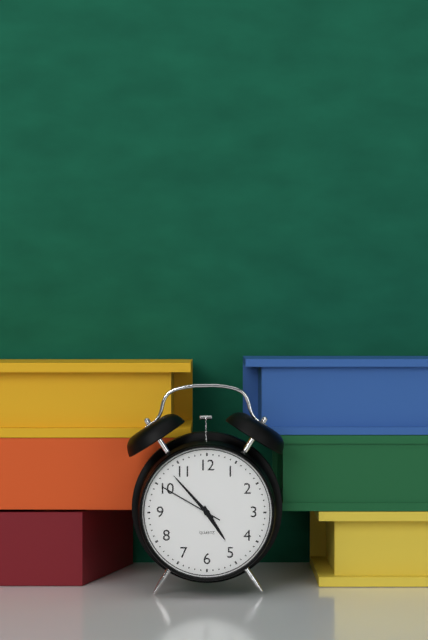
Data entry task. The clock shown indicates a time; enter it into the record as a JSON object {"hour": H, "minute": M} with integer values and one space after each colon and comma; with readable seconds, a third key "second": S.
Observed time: {"hour": 4, "minute": 53, "second": 50}
